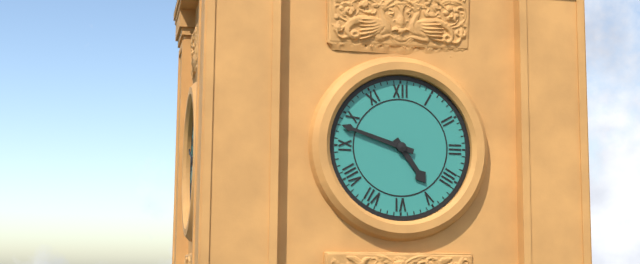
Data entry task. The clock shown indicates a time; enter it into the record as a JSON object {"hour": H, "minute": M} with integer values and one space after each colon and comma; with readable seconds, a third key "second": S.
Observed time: {"hour": 4, "minute": 48}
